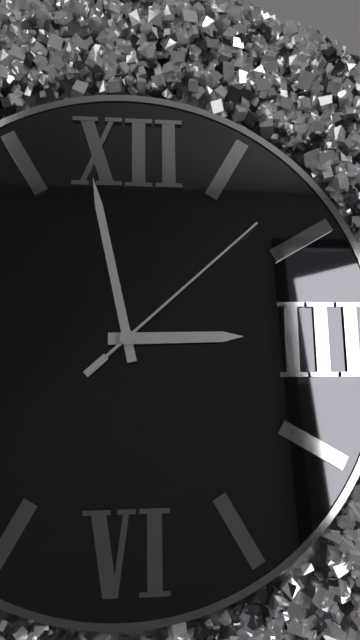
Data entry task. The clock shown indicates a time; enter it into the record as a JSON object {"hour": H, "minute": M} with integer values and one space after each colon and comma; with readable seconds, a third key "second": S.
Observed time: {"hour": 2, "minute": 58, "second": 8}
